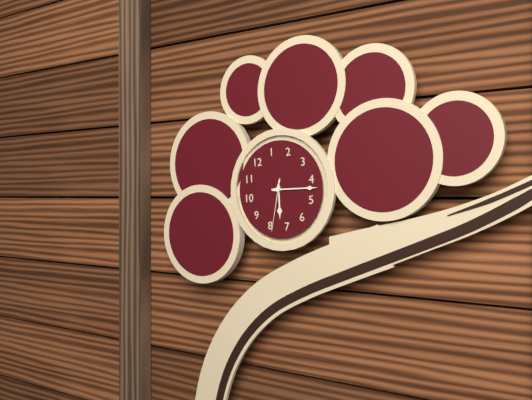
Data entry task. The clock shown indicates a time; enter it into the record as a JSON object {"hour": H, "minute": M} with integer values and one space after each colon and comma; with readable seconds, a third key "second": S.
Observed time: {"hour": 7, "minute": 22, "second": 39}
